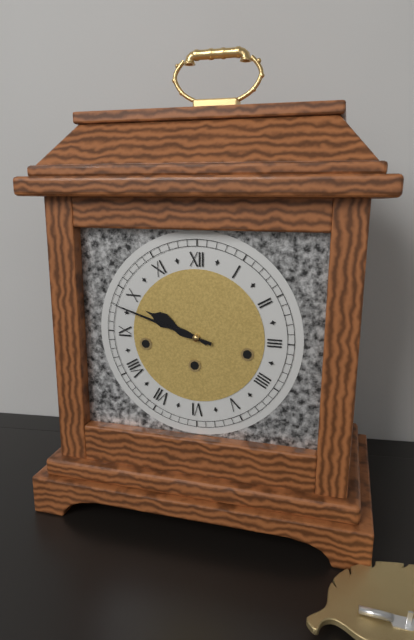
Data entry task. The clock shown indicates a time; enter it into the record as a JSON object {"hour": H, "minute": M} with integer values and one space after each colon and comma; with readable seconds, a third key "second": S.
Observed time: {"hour": 9, "minute": 48}
